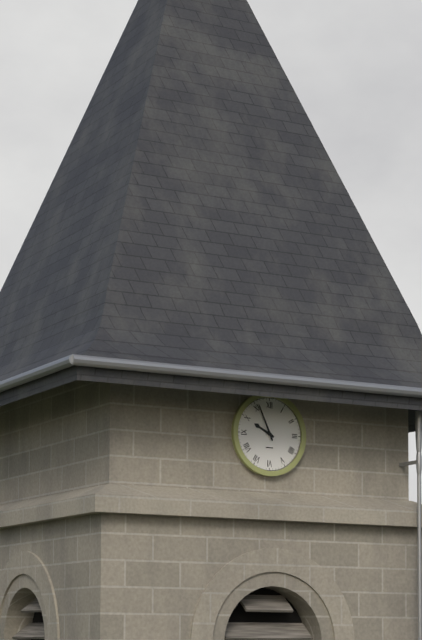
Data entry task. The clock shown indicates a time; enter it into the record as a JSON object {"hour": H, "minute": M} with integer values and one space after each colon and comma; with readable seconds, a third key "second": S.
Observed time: {"hour": 9, "minute": 56}
